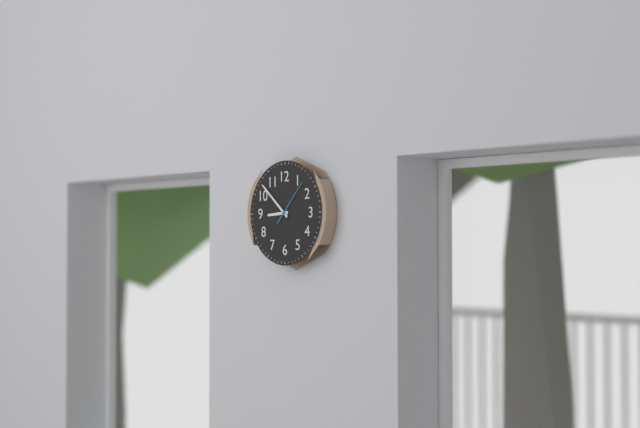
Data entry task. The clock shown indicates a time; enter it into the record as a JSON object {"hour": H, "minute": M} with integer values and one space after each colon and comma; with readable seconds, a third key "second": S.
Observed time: {"hour": 8, "minute": 52}
